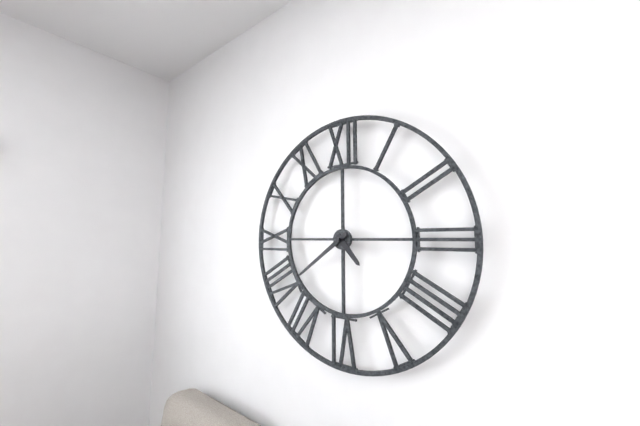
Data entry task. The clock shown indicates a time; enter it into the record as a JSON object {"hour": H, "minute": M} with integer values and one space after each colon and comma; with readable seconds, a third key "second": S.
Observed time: {"hour": 4, "minute": 39}
